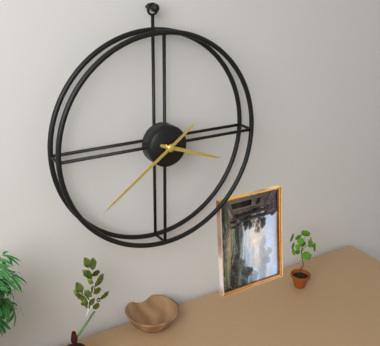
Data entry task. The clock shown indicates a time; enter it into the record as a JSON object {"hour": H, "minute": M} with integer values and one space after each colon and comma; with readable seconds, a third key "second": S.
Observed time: {"hour": 3, "minute": 39}
